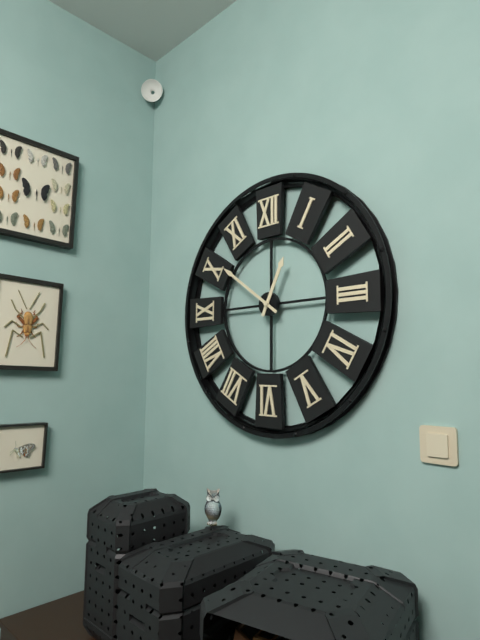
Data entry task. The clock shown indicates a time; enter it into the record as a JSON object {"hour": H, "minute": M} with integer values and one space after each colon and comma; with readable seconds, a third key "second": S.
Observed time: {"hour": 12, "minute": 51}
